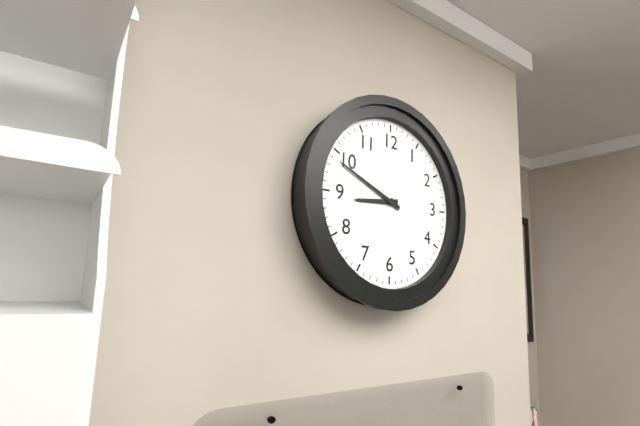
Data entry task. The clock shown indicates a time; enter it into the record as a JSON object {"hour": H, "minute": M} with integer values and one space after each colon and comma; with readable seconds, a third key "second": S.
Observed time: {"hour": 8, "minute": 49}
